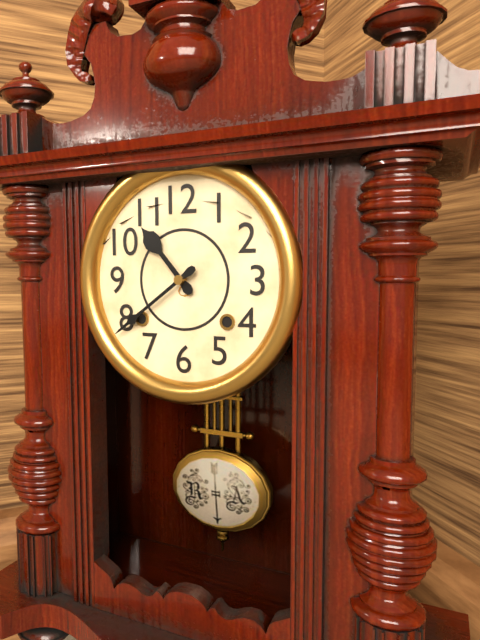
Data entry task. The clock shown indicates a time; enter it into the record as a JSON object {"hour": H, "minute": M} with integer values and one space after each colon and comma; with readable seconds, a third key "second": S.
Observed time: {"hour": 10, "minute": 39}
